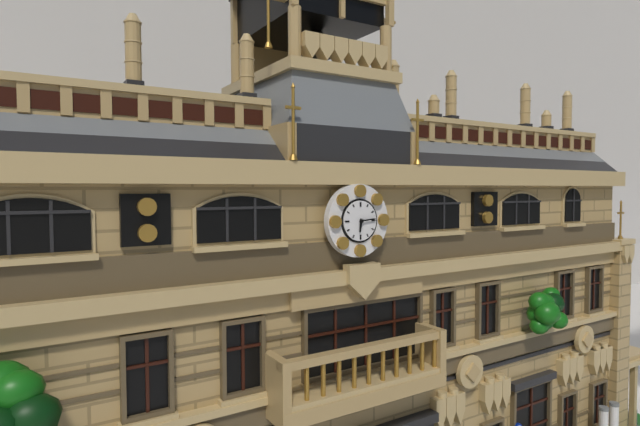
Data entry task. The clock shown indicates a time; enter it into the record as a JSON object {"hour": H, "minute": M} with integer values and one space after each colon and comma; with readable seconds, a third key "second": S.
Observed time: {"hour": 6, "minute": 14}
